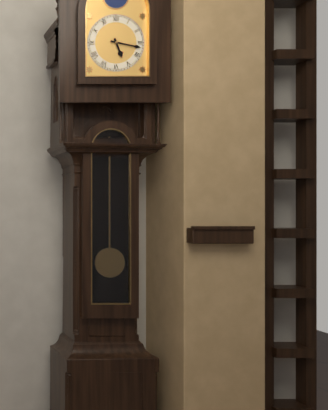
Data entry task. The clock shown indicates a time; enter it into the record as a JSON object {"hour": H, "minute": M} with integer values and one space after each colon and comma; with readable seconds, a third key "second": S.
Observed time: {"hour": 5, "minute": 17}
